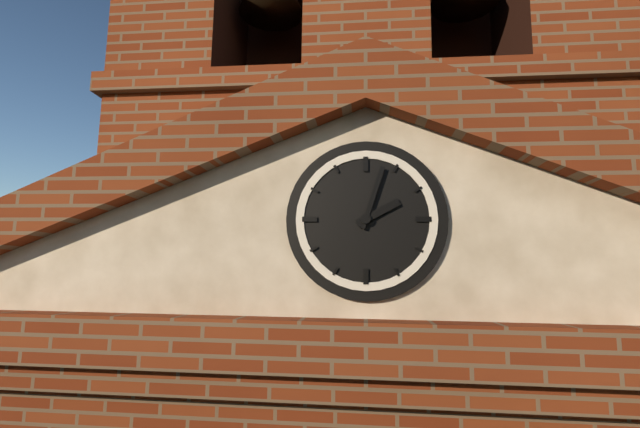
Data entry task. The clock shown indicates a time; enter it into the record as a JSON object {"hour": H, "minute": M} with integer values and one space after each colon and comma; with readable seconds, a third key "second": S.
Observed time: {"hour": 2, "minute": 3}
